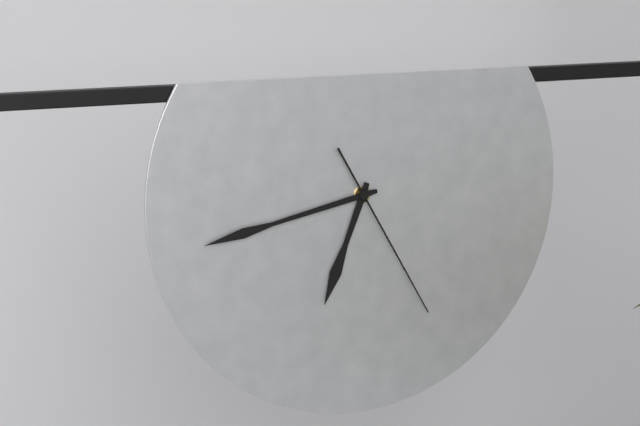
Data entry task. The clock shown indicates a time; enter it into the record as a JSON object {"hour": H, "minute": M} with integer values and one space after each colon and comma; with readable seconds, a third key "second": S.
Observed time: {"hour": 6, "minute": 43, "second": 25}
